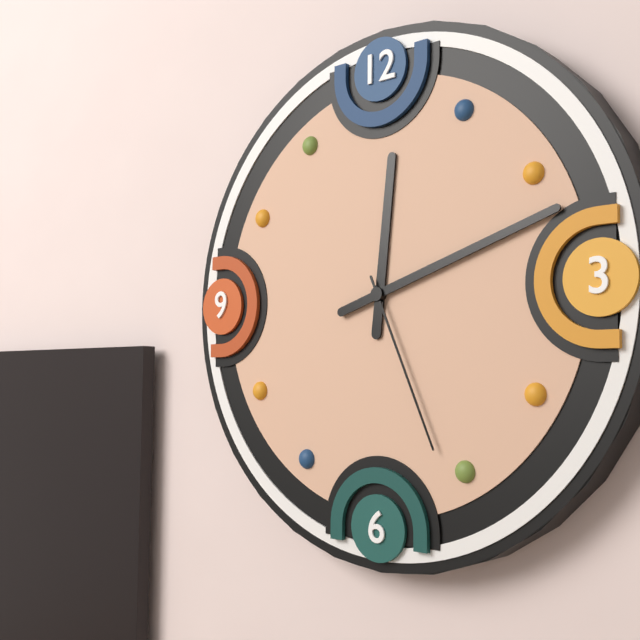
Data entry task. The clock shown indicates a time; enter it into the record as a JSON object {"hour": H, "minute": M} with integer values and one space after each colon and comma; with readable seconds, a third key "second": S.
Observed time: {"hour": 12, "minute": 12, "second": 26}
